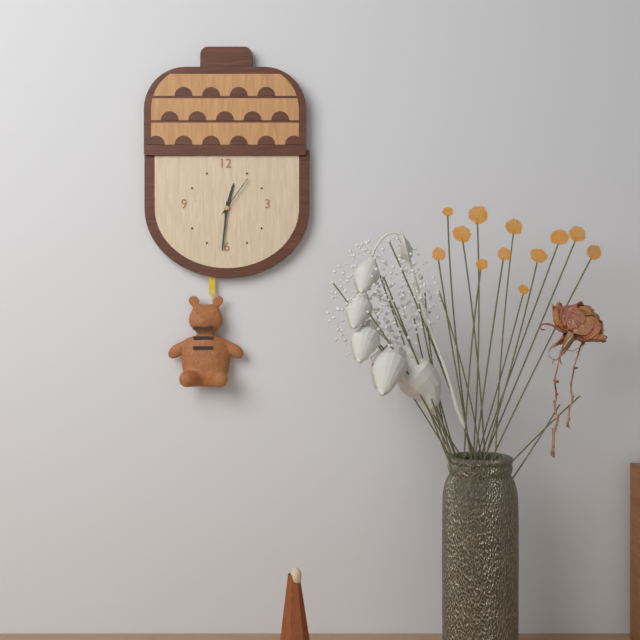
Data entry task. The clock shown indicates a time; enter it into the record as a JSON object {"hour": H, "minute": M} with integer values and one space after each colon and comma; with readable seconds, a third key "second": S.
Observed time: {"hour": 12, "minute": 31}
